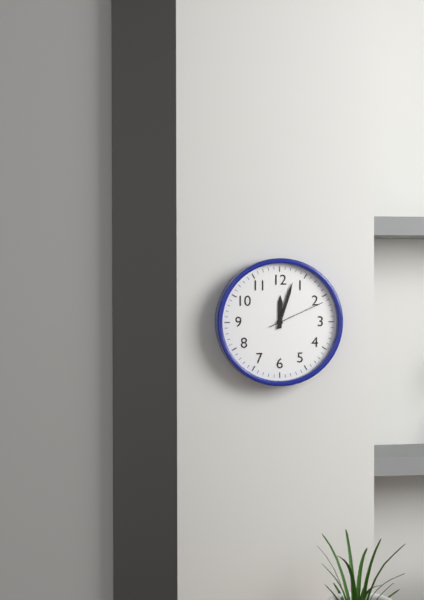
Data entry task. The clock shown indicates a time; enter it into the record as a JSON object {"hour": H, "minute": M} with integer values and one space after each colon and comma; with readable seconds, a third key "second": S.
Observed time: {"hour": 12, "minute": 3, "second": 11}
